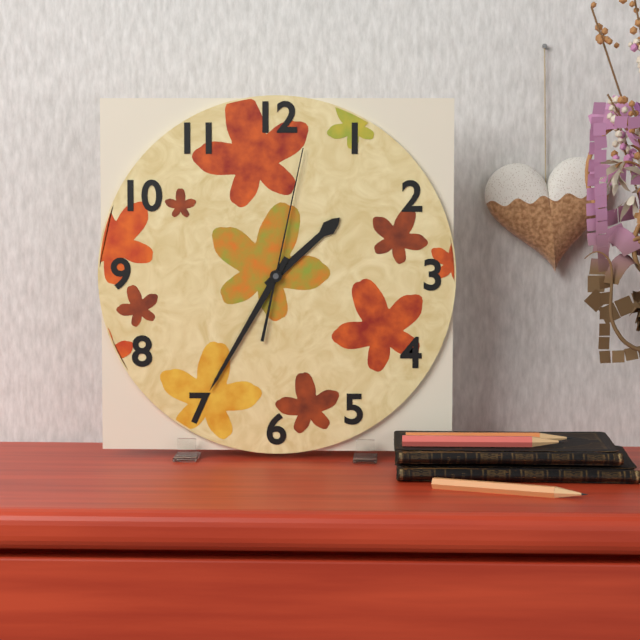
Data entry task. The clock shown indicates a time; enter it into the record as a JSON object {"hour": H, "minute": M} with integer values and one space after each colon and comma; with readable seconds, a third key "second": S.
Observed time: {"hour": 1, "minute": 35, "second": 2}
